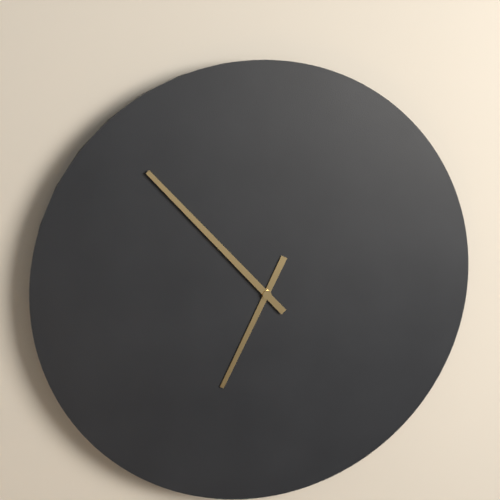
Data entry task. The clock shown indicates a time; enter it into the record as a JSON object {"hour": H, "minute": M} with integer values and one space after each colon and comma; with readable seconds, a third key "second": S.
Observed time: {"hour": 6, "minute": 53}
